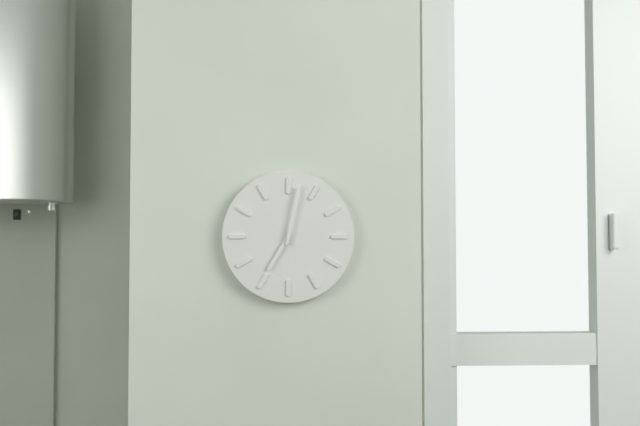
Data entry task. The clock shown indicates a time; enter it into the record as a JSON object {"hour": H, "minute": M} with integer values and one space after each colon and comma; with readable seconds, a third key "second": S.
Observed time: {"hour": 7, "minute": 2}
